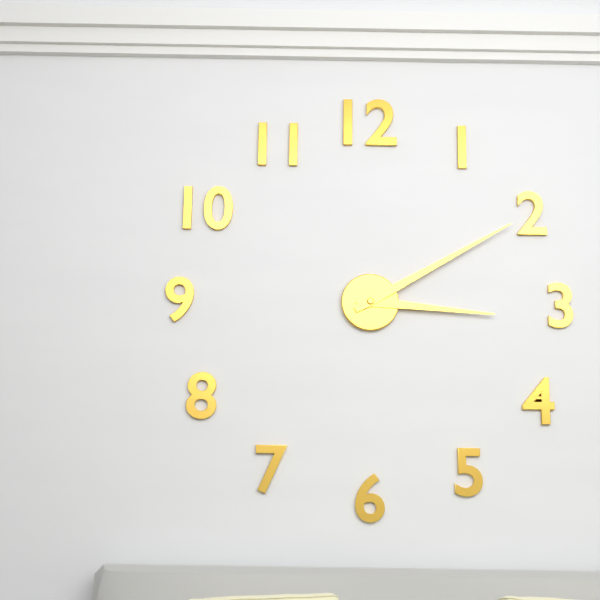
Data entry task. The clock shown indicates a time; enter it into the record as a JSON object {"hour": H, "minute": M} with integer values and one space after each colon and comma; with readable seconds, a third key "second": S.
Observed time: {"hour": 3, "minute": 10}
